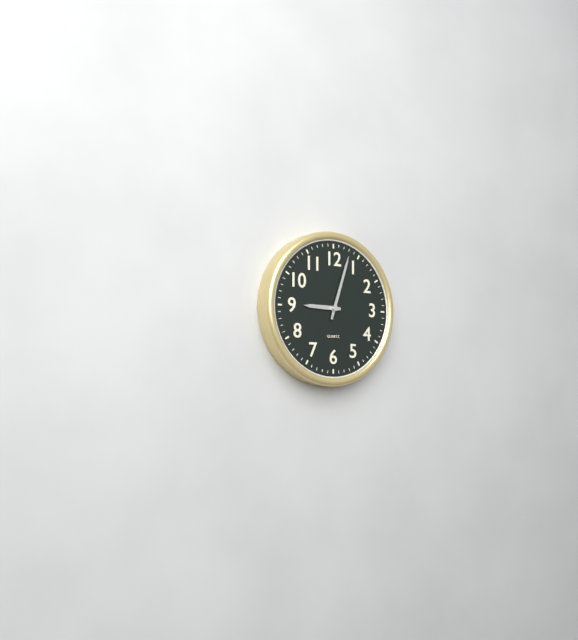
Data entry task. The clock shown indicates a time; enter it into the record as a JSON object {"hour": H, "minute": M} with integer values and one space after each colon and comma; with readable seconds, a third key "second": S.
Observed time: {"hour": 9, "minute": 3}
